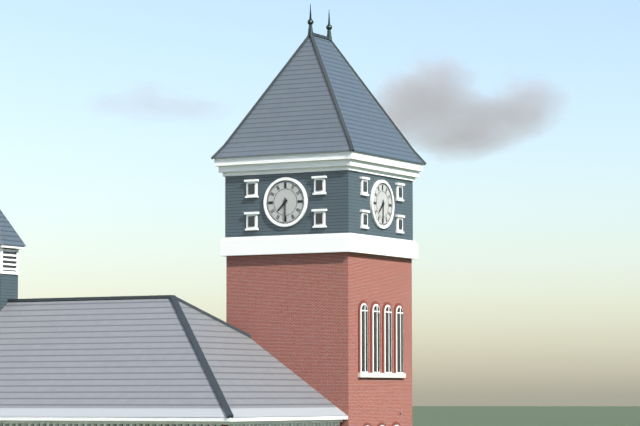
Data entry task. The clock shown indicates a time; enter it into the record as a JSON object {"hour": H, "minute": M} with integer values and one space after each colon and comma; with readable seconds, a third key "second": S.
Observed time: {"hour": 7, "minute": 30}
